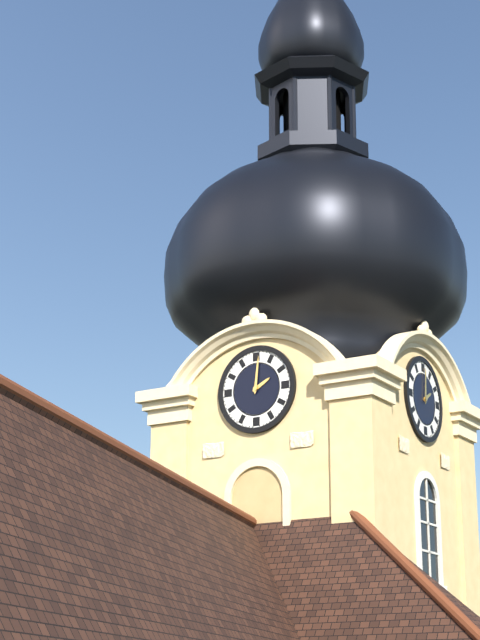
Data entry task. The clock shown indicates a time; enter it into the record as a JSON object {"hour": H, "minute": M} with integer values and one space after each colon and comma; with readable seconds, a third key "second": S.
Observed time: {"hour": 2, "minute": 1}
